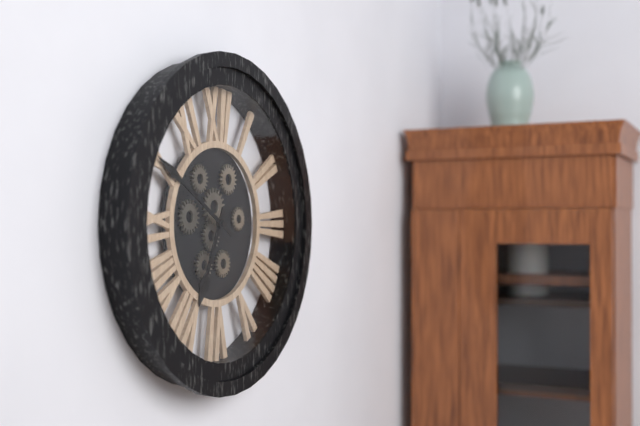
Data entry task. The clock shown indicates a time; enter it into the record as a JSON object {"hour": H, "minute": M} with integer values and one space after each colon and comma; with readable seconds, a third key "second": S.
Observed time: {"hour": 6, "minute": 50}
